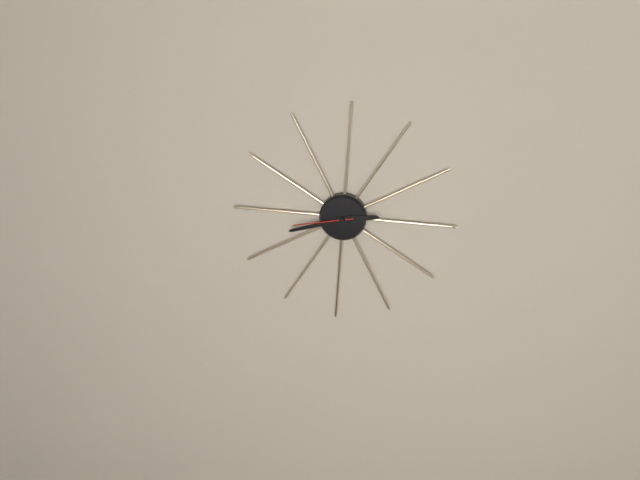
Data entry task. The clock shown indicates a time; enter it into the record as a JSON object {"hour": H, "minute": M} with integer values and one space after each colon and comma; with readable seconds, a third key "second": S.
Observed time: {"hour": 2, "minute": 42, "second": 43}
